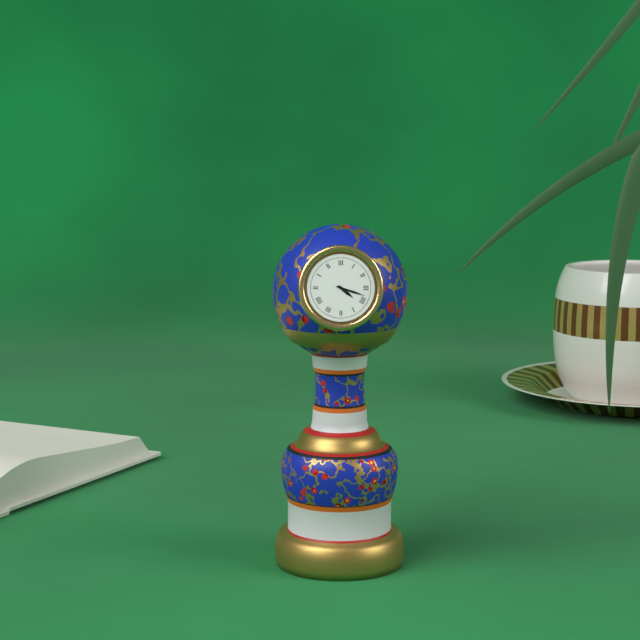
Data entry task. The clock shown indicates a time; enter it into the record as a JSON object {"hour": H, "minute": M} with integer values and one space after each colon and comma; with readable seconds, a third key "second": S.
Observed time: {"hour": 4, "minute": 18}
